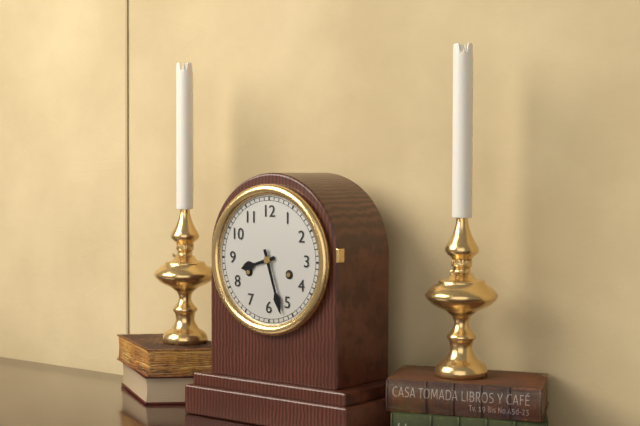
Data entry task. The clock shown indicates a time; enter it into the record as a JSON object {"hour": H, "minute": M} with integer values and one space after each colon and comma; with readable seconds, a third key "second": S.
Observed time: {"hour": 8, "minute": 27}
